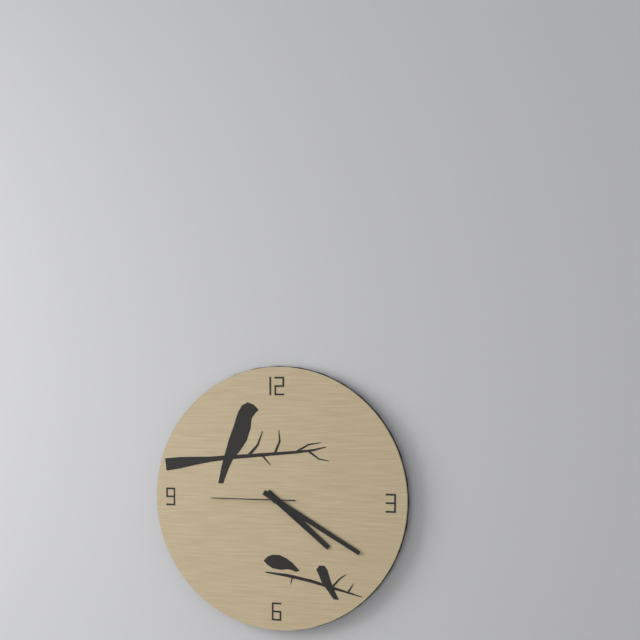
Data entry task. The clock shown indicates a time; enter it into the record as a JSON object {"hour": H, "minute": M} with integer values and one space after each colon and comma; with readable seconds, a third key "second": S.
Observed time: {"hour": 4, "minute": 20, "second": 45}
